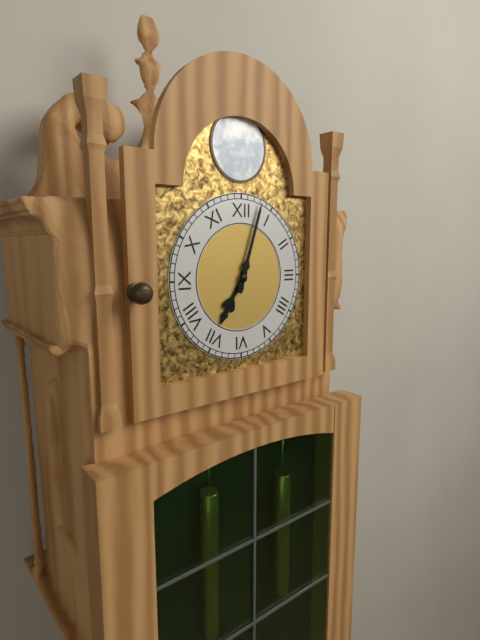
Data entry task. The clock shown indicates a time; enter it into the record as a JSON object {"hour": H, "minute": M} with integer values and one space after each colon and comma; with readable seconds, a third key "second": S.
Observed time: {"hour": 7, "minute": 3}
